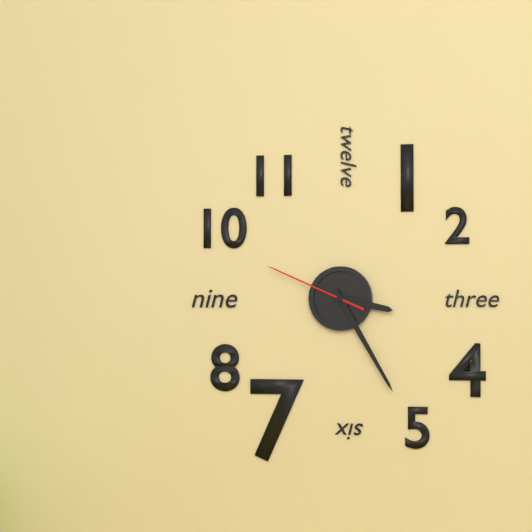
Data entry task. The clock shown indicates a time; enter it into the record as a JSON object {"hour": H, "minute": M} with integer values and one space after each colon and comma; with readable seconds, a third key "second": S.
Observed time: {"hour": 3, "minute": 25, "second": 49}
